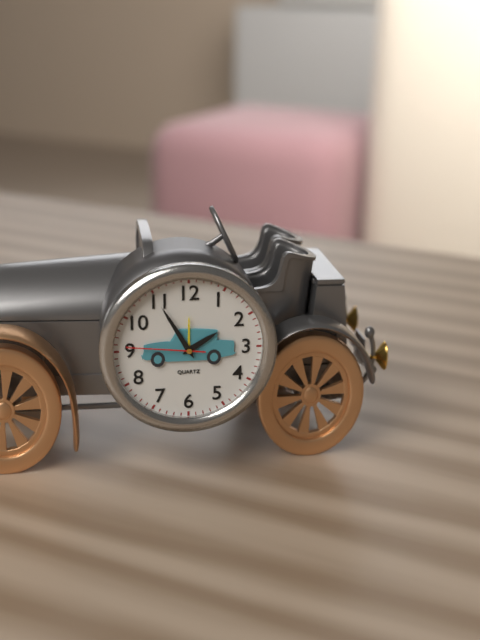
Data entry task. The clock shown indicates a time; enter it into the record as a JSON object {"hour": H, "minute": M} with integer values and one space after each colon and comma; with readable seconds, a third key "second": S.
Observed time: {"hour": 1, "minute": 55, "second": 46}
